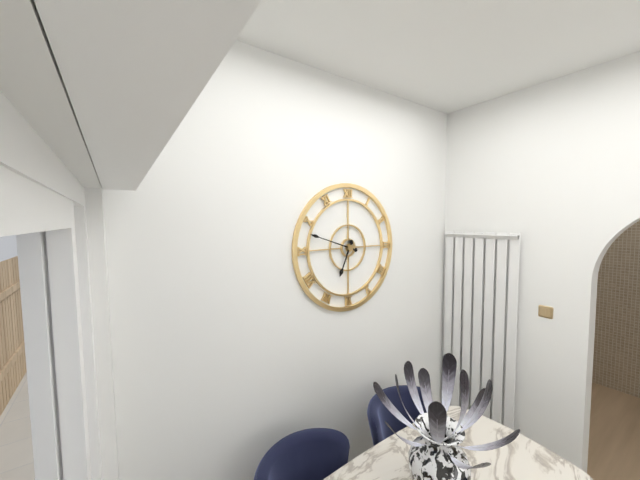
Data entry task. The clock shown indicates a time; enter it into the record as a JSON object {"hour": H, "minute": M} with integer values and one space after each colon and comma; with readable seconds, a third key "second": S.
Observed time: {"hour": 6, "minute": 48}
